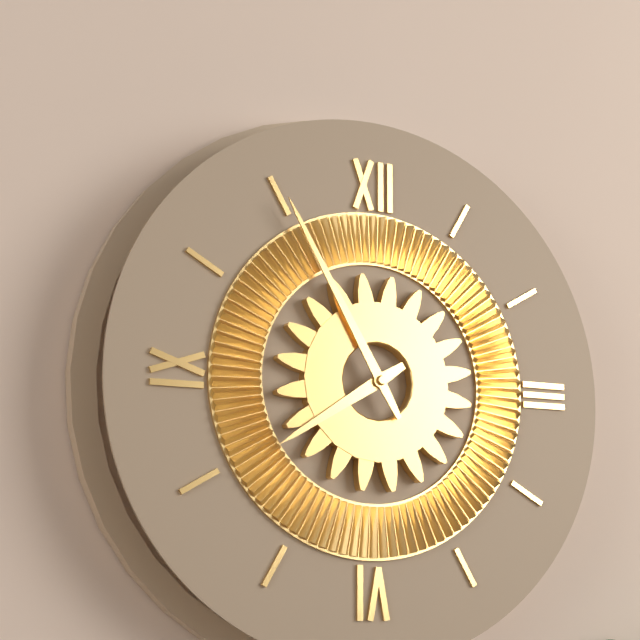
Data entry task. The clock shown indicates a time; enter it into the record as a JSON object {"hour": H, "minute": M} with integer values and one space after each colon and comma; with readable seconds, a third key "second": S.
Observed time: {"hour": 7, "minute": 55}
